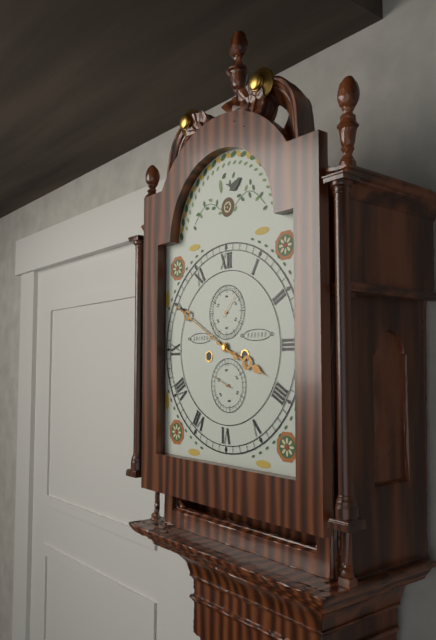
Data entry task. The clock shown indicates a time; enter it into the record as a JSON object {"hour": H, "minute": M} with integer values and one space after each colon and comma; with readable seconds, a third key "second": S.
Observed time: {"hour": 3, "minute": 50}
